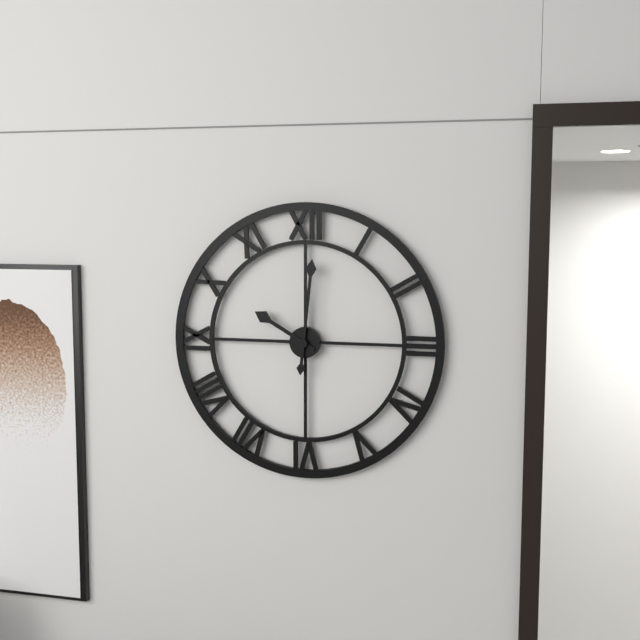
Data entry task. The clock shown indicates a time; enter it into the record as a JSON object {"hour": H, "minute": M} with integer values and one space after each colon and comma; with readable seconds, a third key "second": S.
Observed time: {"hour": 10, "minute": 1}
